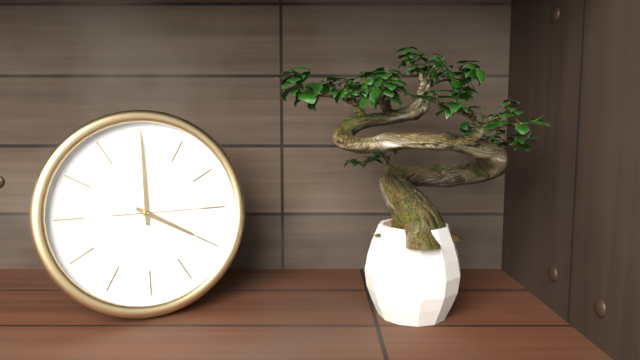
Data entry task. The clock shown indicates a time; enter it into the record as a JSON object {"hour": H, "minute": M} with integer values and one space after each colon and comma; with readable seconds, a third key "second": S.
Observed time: {"hour": 4, "minute": 0, "second": 15}
